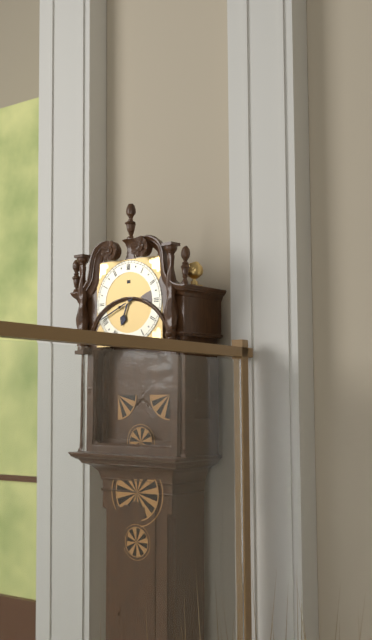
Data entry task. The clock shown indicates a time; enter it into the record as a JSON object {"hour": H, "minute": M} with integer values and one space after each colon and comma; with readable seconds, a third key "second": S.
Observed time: {"hour": 6, "minute": 41}
